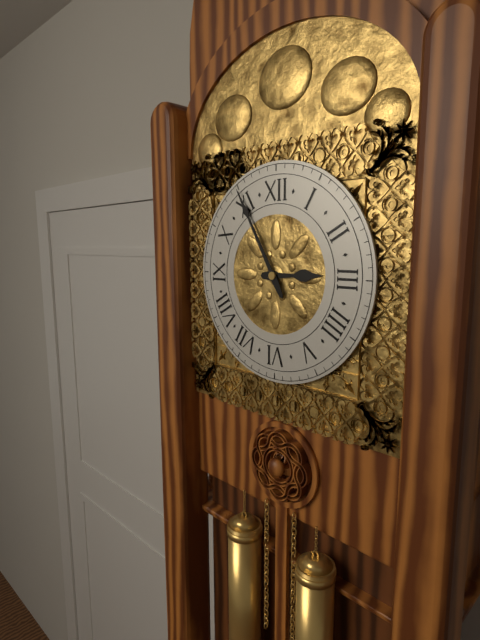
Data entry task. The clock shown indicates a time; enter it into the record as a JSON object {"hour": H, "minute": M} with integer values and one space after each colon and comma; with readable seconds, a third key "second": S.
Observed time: {"hour": 2, "minute": 55}
